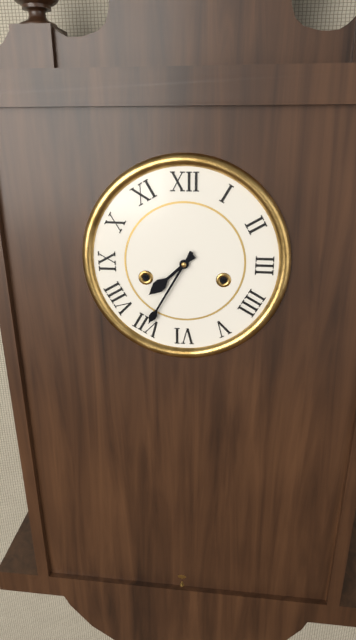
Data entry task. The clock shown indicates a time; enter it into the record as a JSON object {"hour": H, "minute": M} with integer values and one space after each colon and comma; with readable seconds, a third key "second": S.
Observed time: {"hour": 7, "minute": 35}
